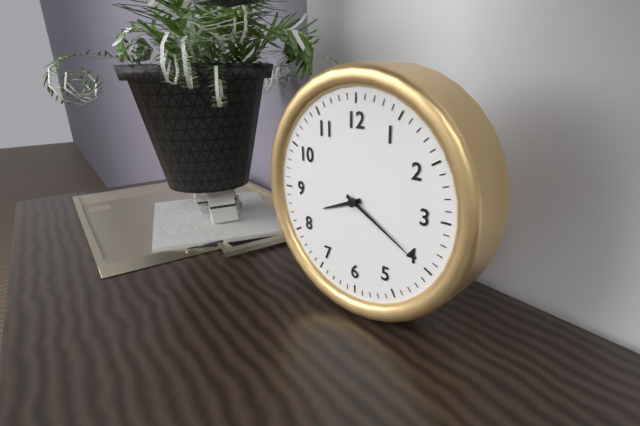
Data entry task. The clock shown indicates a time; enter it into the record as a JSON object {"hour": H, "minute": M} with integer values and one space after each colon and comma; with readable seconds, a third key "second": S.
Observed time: {"hour": 8, "minute": 20}
